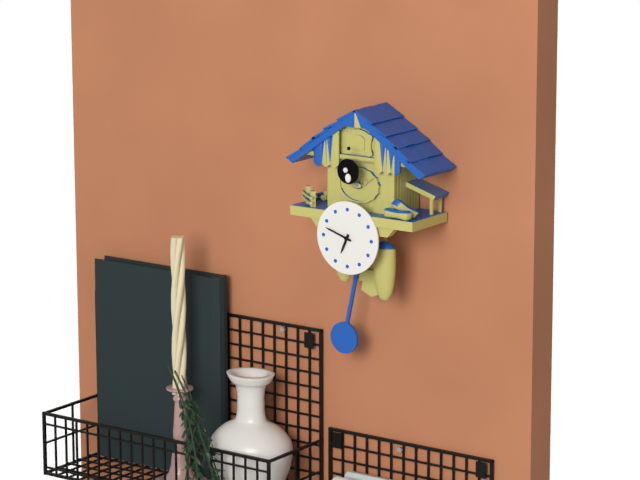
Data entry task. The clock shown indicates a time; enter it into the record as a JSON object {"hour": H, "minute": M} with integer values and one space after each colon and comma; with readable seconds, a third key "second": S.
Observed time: {"hour": 6, "minute": 48}
